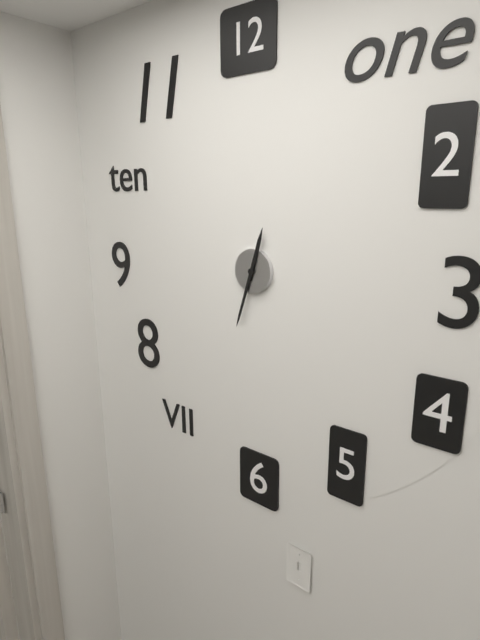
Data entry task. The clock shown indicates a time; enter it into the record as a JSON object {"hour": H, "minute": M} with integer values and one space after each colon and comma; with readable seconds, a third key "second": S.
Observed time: {"hour": 12, "minute": 33}
